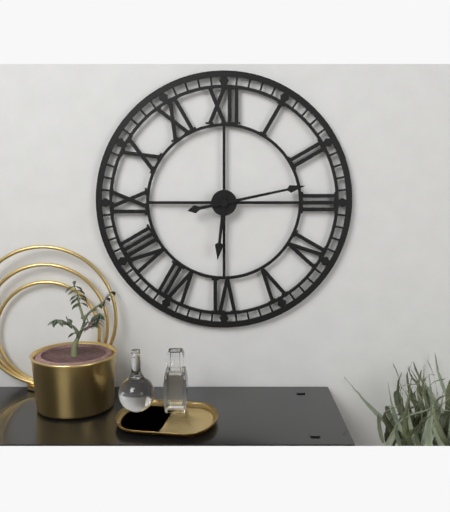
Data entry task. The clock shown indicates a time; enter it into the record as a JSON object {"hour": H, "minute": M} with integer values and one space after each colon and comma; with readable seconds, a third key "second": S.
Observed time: {"hour": 6, "minute": 13}
